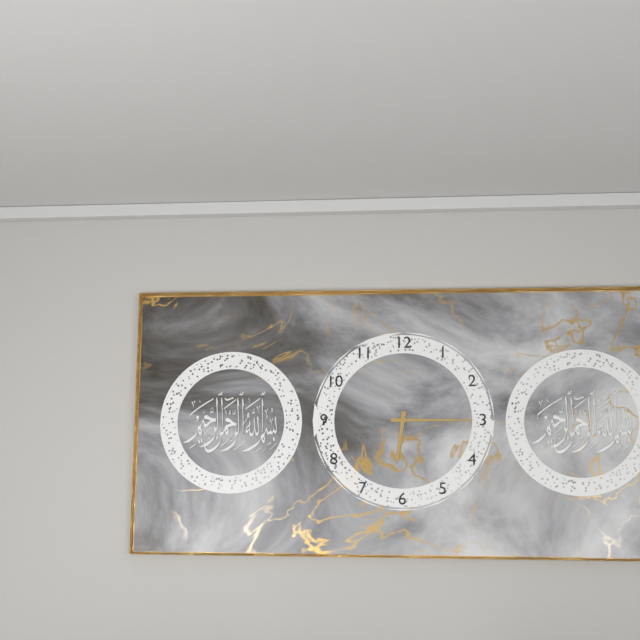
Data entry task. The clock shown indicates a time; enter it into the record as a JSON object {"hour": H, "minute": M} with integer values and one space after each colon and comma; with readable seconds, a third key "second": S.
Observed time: {"hour": 6, "minute": 15}
